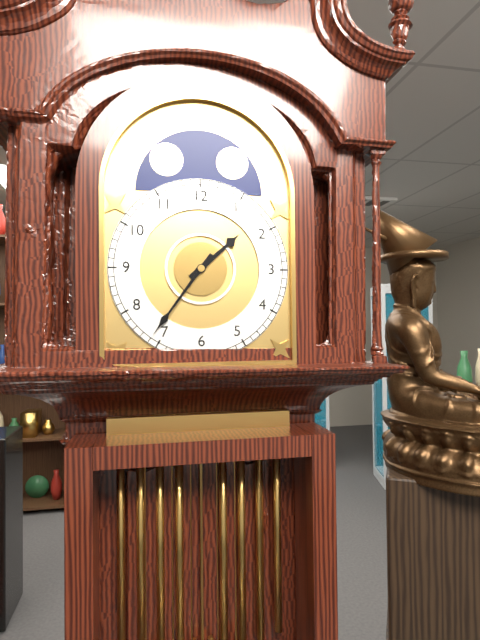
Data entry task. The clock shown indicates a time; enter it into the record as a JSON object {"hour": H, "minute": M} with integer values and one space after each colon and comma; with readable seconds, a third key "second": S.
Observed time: {"hour": 1, "minute": 36}
